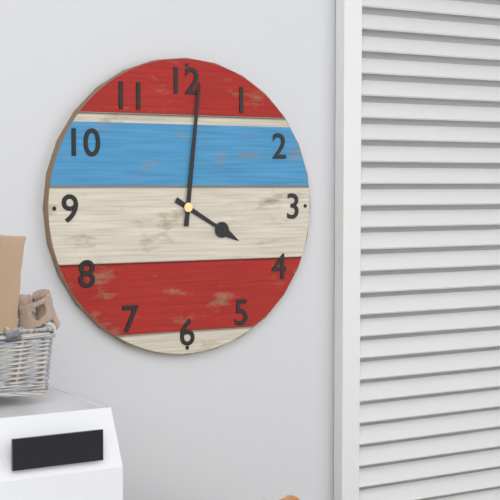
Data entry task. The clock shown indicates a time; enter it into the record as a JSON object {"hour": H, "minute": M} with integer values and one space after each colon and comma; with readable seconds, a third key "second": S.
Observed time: {"hour": 4, "minute": 1}
